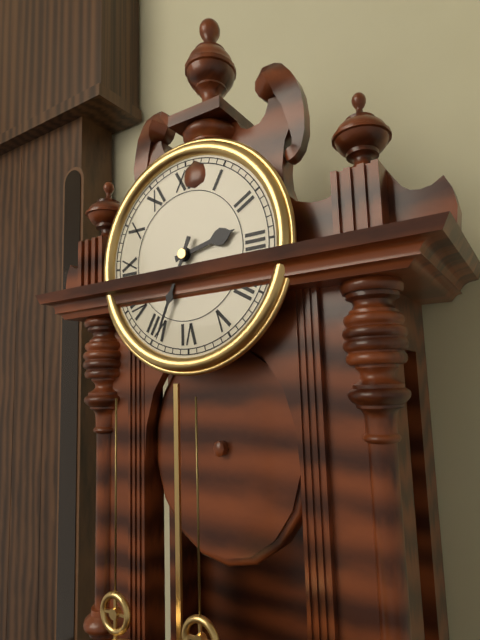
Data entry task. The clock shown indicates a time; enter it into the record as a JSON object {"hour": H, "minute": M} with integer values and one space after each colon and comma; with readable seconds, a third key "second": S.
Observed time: {"hour": 2, "minute": 34}
